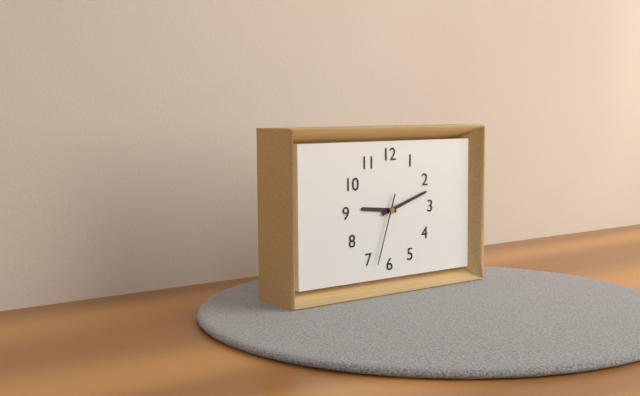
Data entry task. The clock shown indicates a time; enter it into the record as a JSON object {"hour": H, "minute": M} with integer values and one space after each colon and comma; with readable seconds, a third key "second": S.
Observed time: {"hour": 9, "minute": 12, "second": 33}
